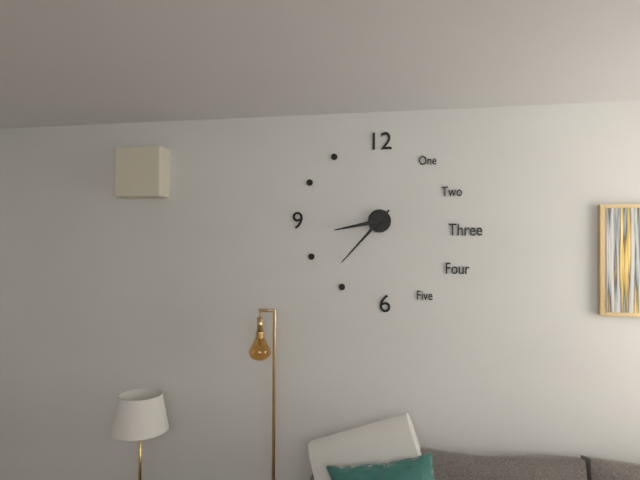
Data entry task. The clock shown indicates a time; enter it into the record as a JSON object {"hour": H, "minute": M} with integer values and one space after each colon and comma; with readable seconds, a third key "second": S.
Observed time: {"hour": 8, "minute": 37}
